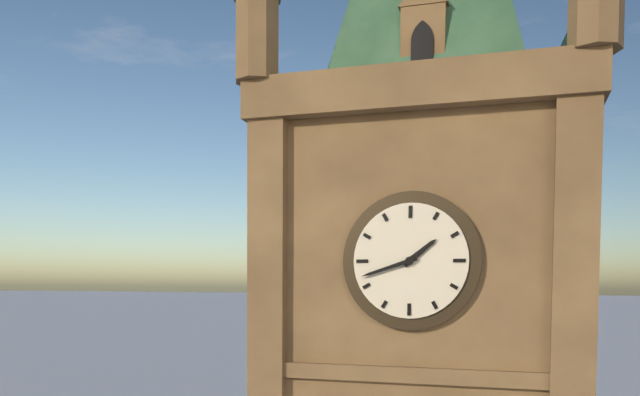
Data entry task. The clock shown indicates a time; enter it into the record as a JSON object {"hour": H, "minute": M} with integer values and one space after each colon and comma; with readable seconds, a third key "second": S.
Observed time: {"hour": 1, "minute": 42}
